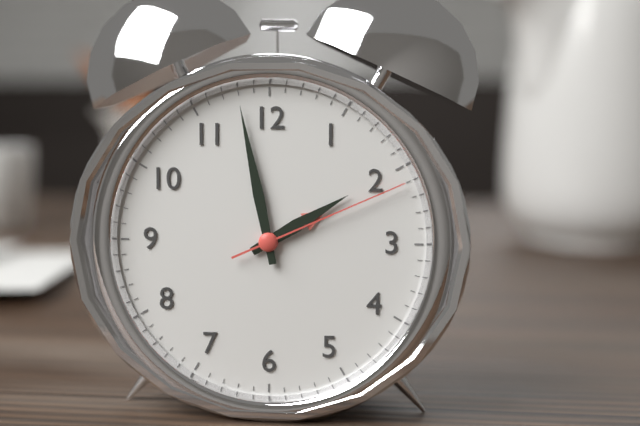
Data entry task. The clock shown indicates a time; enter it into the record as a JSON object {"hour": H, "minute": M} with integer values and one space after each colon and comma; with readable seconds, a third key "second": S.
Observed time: {"hour": 1, "minute": 58, "second": 11}
